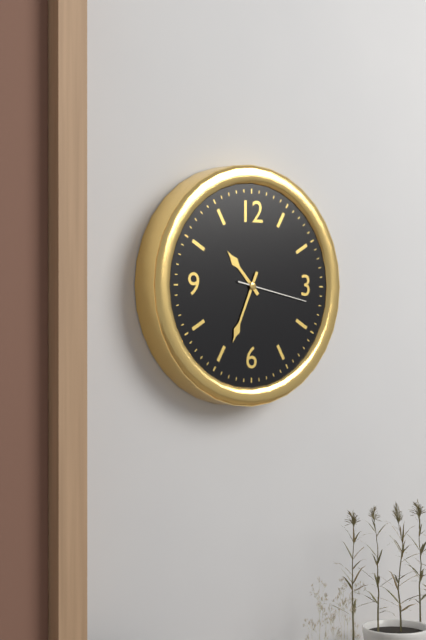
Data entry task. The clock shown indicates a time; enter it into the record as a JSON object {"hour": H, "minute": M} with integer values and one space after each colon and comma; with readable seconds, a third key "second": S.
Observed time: {"hour": 10, "minute": 34, "second": 17}
